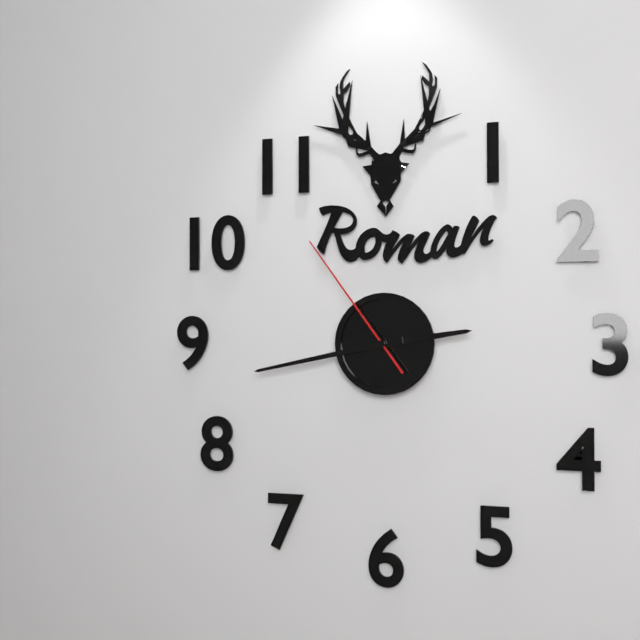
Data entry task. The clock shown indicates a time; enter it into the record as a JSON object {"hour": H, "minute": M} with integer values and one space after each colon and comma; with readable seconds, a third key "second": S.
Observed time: {"hour": 2, "minute": 43, "second": 54}
